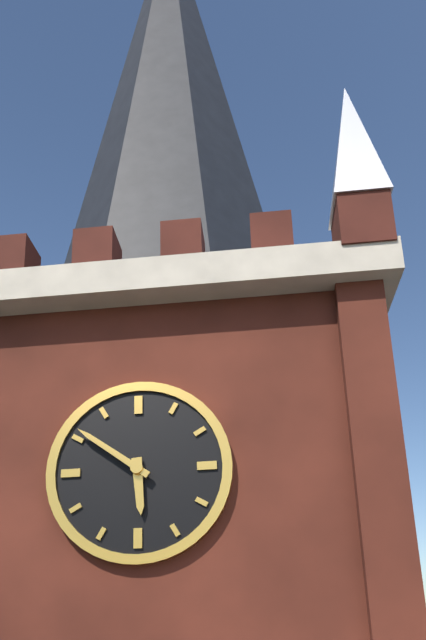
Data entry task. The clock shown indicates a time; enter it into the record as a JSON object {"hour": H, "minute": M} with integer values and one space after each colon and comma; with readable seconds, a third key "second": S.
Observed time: {"hour": 5, "minute": 51}
